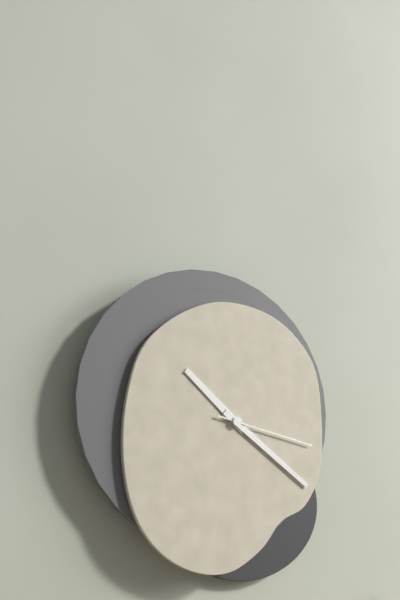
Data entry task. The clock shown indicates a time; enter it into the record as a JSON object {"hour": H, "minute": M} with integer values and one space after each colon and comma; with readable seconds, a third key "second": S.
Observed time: {"hour": 10, "minute": 21, "second": 17}
